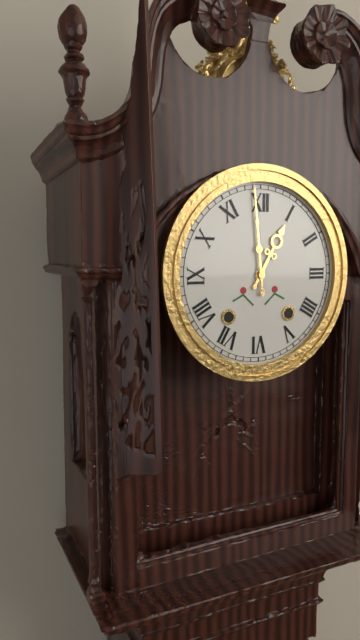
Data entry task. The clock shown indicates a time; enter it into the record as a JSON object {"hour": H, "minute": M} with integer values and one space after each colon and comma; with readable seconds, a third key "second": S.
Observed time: {"hour": 12, "minute": 59}
